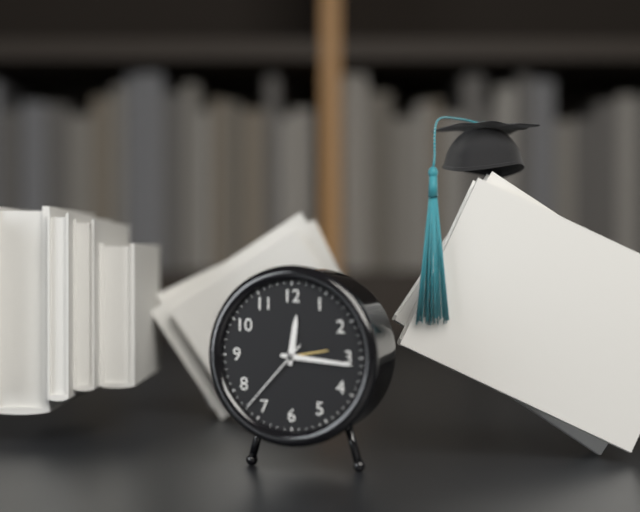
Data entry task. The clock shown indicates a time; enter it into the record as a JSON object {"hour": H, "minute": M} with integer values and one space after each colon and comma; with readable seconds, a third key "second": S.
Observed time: {"hour": 12, "minute": 16, "second": 37}
